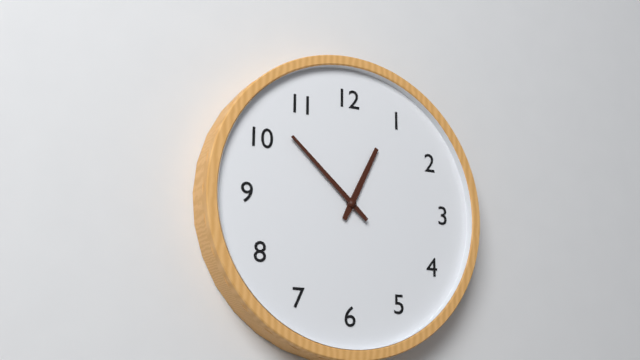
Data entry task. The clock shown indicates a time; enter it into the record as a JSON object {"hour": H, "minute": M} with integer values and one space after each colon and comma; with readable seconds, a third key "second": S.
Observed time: {"hour": 12, "minute": 52}
